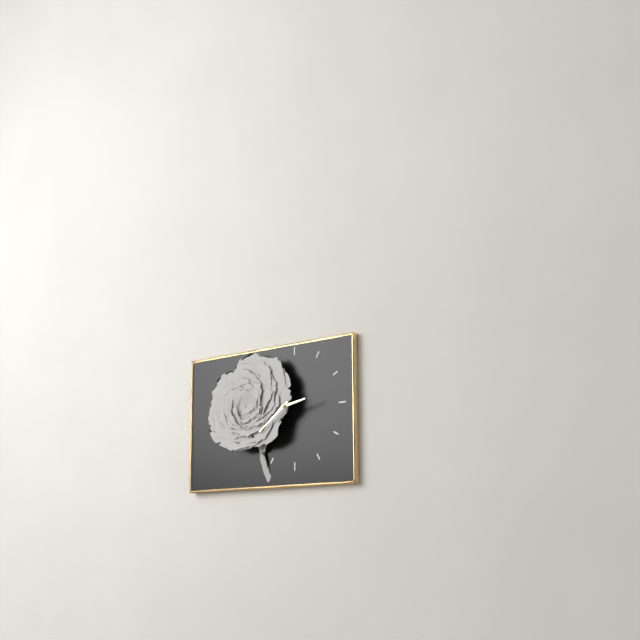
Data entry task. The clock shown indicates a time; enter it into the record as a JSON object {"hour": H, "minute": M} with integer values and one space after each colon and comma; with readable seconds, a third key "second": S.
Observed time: {"hour": 2, "minute": 39}
